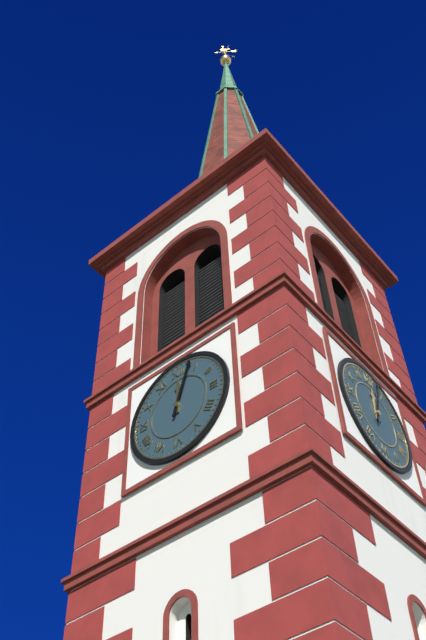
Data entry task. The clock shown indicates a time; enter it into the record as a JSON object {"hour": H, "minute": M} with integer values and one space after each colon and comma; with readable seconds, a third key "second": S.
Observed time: {"hour": 12, "minute": 3}
